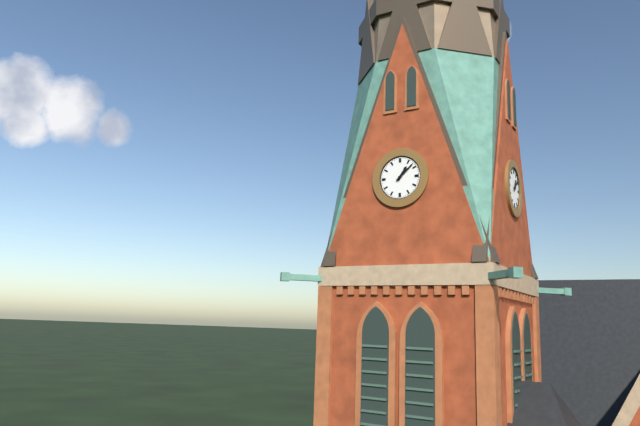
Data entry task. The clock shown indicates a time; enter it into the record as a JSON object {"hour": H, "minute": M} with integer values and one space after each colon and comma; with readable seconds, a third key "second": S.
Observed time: {"hour": 1, "minute": 8}
